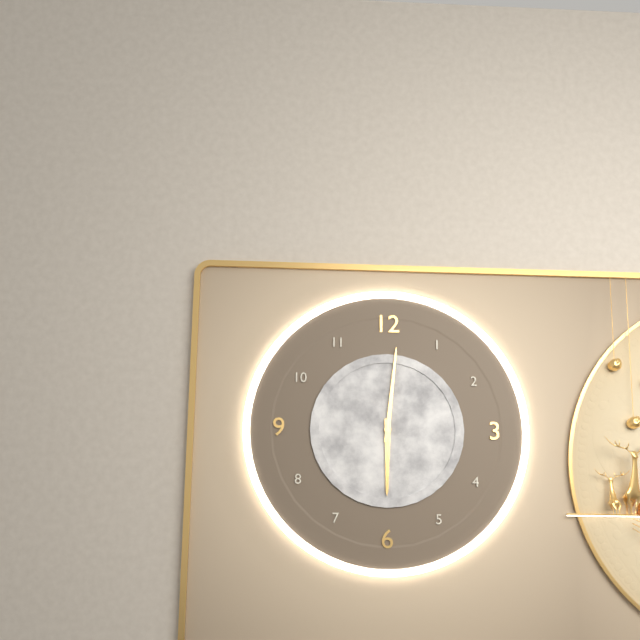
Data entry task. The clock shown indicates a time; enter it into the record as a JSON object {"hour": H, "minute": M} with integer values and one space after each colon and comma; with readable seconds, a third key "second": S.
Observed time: {"hour": 6, "minute": 1}
